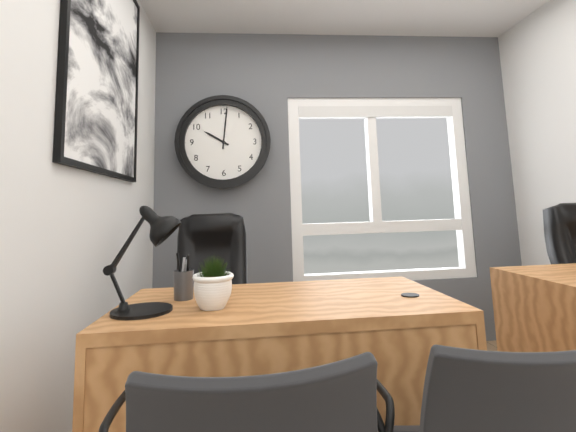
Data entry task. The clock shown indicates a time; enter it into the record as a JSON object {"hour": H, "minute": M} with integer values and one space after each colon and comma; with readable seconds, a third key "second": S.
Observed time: {"hour": 10, "minute": 1}
